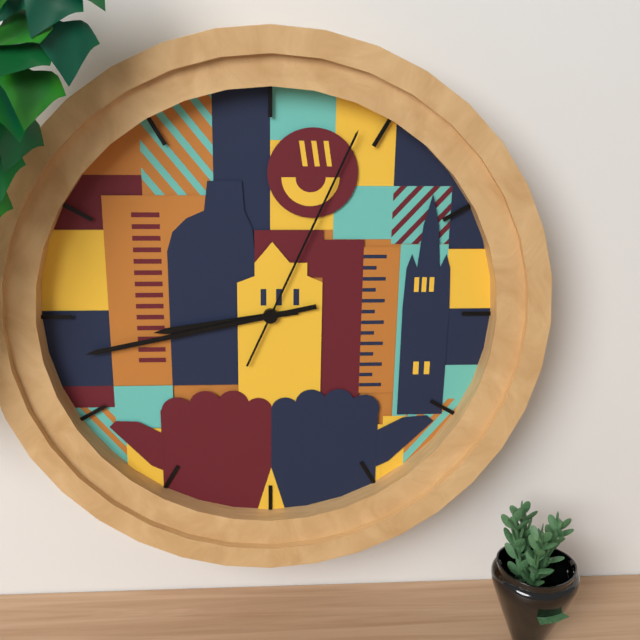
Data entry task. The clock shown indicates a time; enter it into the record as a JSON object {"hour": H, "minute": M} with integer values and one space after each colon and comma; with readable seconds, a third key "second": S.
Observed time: {"hour": 8, "minute": 43, "second": 4}
